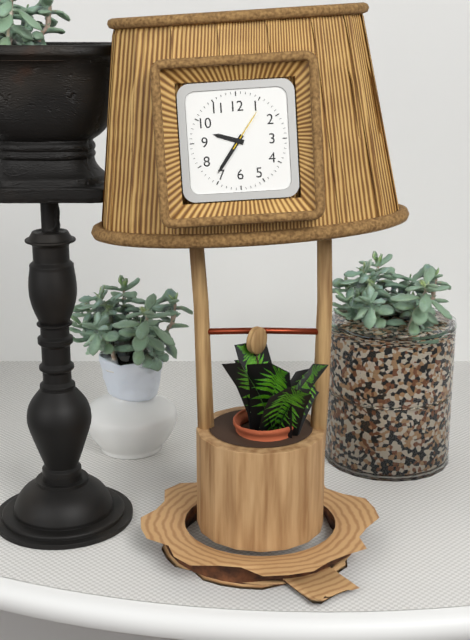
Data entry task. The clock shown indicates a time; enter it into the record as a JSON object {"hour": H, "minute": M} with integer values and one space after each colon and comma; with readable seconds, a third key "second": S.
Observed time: {"hour": 9, "minute": 36}
